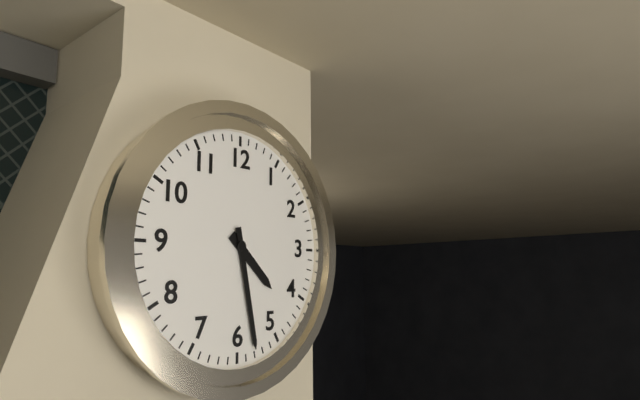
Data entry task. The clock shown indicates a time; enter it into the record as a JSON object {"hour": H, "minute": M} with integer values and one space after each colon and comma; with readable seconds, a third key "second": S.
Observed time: {"hour": 4, "minute": 28}
